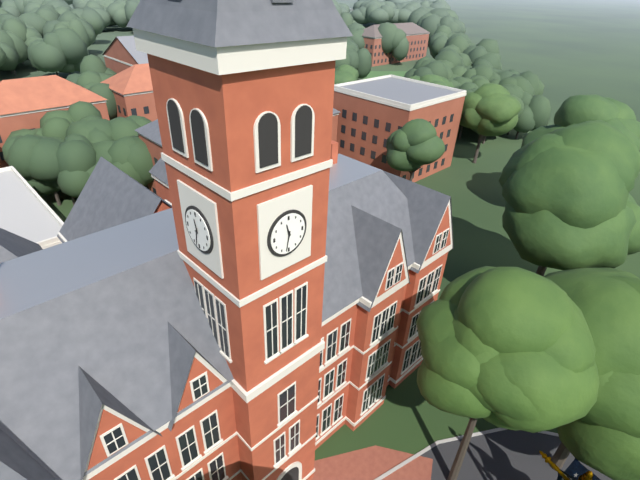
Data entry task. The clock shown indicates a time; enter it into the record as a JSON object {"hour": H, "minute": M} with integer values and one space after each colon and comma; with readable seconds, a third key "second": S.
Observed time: {"hour": 11, "minute": 32}
